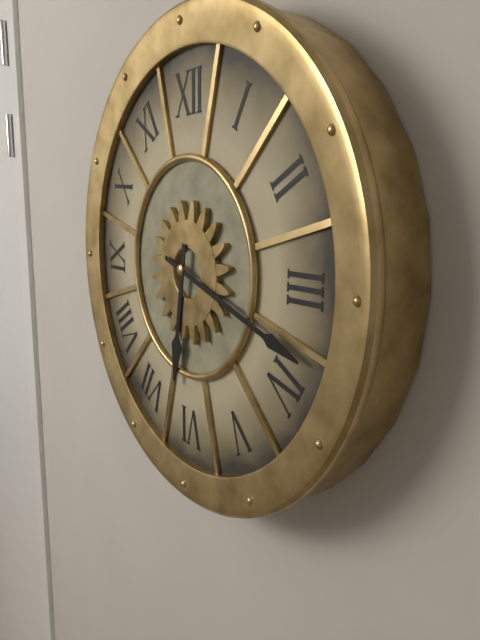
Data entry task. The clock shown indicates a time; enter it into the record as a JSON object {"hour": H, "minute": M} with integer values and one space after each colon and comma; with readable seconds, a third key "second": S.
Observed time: {"hour": 6, "minute": 18}
